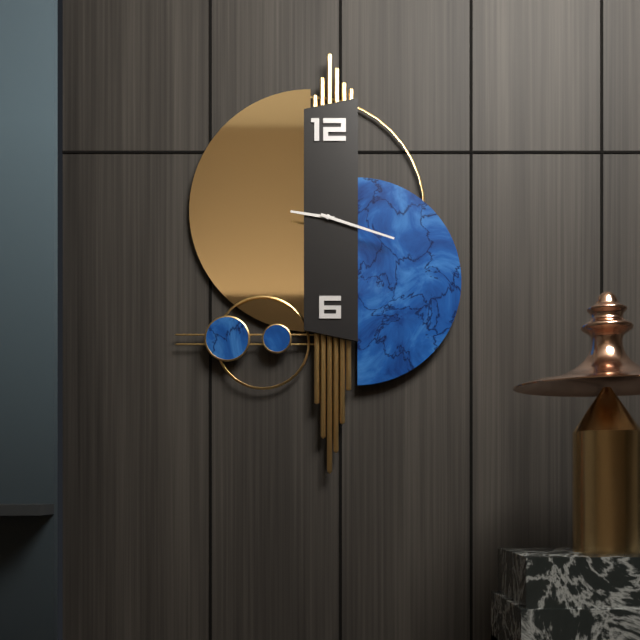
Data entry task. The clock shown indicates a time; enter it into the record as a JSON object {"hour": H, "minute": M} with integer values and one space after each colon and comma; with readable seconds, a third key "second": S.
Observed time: {"hour": 9, "minute": 18}
